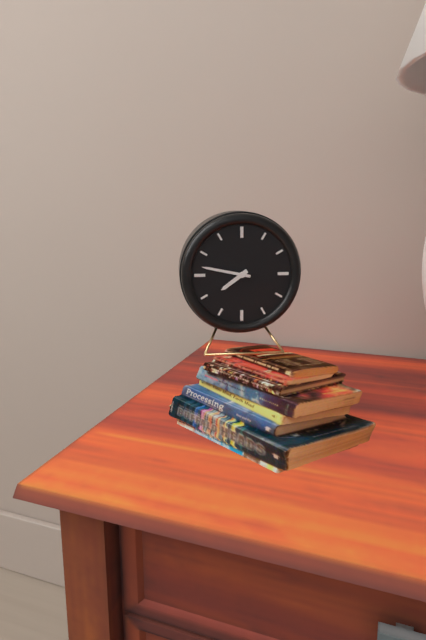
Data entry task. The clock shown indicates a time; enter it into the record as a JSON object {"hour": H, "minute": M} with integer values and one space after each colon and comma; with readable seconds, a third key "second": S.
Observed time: {"hour": 7, "minute": 47}
